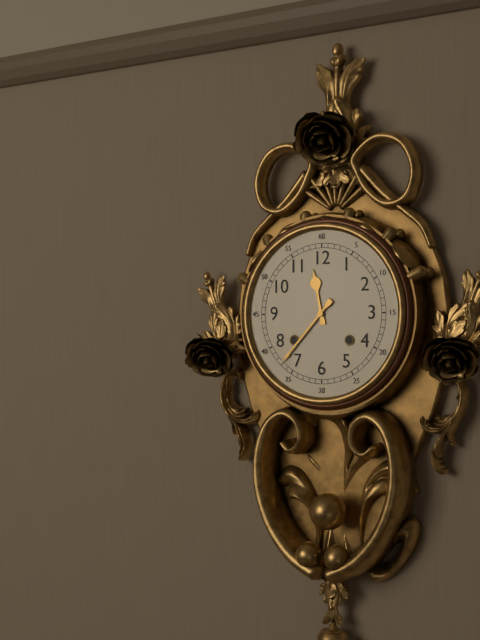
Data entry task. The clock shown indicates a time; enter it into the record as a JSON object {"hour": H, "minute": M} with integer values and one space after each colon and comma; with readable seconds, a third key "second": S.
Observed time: {"hour": 11, "minute": 37}
